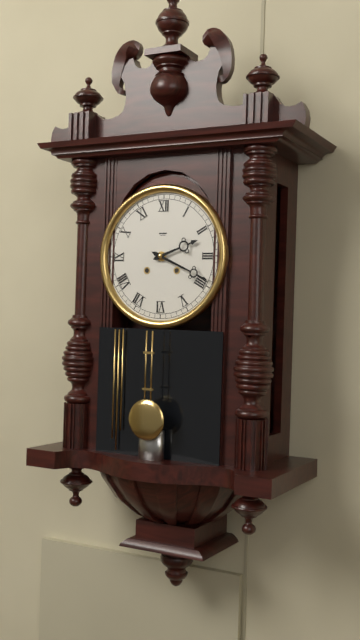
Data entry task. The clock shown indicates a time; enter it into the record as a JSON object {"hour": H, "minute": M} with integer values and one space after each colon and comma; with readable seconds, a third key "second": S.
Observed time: {"hour": 2, "minute": 19}
